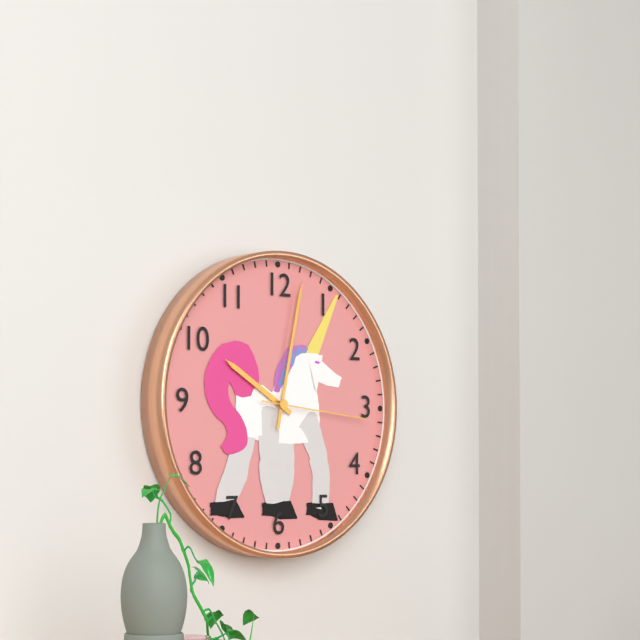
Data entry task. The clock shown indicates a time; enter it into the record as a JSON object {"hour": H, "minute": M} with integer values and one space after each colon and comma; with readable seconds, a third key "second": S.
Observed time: {"hour": 10, "minute": 2, "second": 16}
